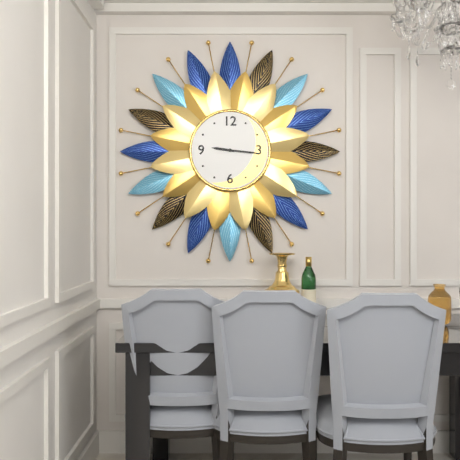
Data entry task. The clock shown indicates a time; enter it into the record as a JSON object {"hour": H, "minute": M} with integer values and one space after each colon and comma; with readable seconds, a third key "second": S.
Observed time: {"hour": 9, "minute": 16}
